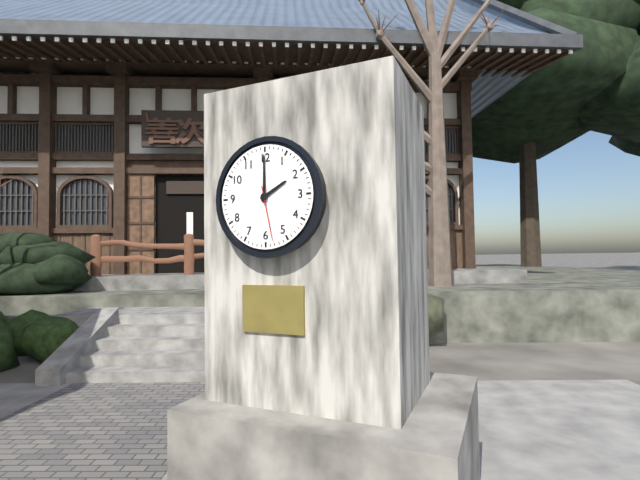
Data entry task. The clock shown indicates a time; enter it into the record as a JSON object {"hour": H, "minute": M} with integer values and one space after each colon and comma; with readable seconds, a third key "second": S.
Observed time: {"hour": 2, "minute": 0, "second": 28}
